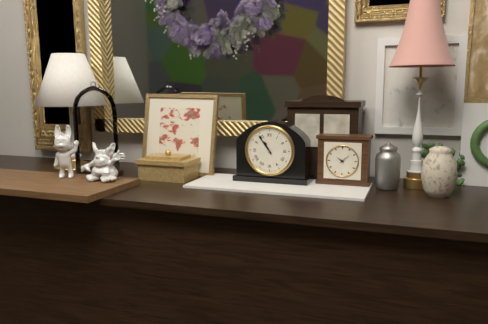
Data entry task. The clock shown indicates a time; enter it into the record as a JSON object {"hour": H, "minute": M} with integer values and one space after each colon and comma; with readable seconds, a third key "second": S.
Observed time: {"hour": 10, "minute": 54}
